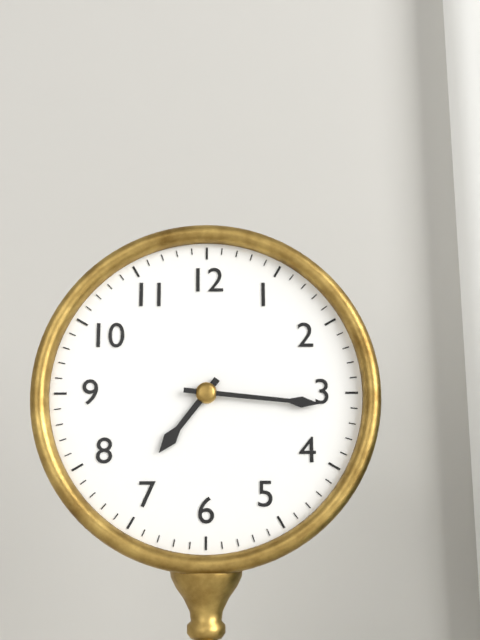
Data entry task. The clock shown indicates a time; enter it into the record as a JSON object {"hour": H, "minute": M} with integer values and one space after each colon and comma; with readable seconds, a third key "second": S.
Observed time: {"hour": 7, "minute": 16}
